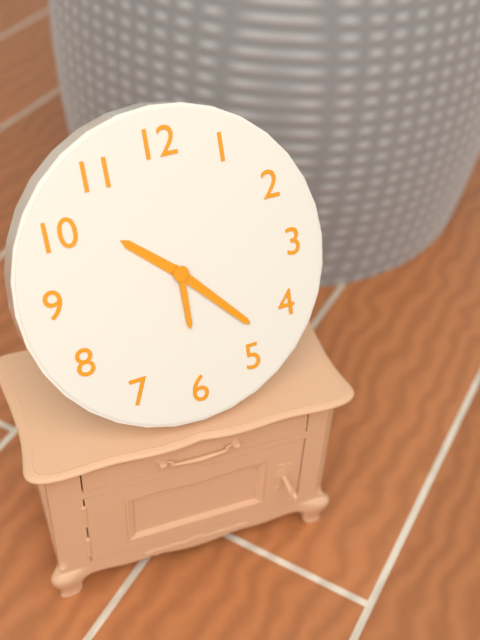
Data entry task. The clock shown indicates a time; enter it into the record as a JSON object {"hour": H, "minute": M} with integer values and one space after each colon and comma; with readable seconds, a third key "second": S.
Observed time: {"hour": 10, "minute": 23, "second": 30}
